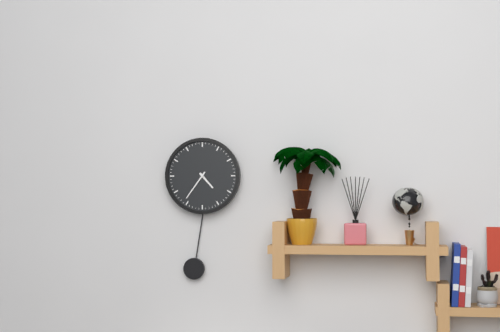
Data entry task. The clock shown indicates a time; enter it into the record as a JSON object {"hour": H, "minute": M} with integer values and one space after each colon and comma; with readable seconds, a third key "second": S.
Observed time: {"hour": 4, "minute": 36}
